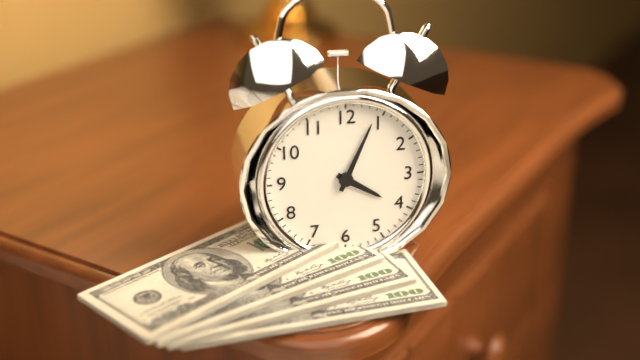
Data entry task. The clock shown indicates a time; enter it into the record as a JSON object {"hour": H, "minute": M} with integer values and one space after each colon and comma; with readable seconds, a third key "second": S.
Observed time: {"hour": 4, "minute": 4}
